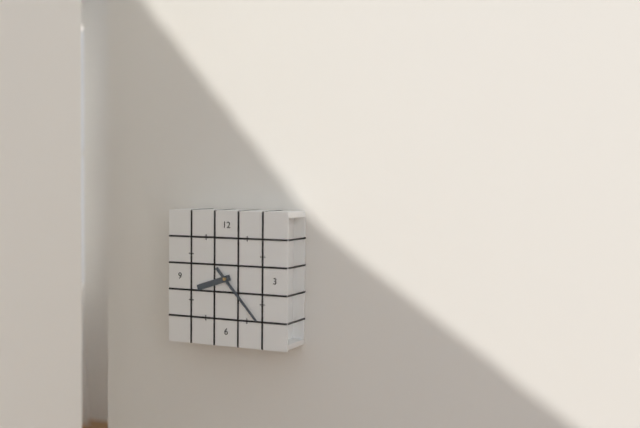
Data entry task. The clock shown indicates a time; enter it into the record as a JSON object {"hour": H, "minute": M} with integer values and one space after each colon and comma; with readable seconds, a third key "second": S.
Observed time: {"hour": 8, "minute": 23}
